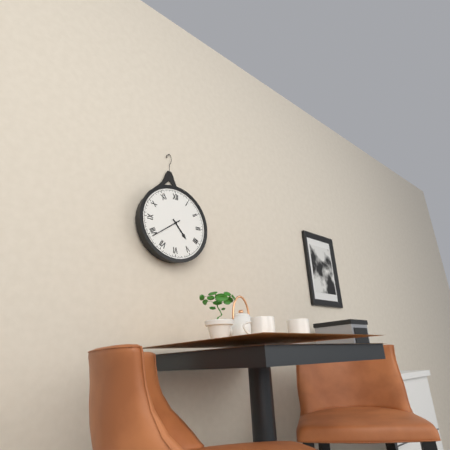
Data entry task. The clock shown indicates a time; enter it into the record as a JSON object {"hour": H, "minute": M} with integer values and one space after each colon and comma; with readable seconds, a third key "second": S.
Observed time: {"hour": 4, "minute": 39}
